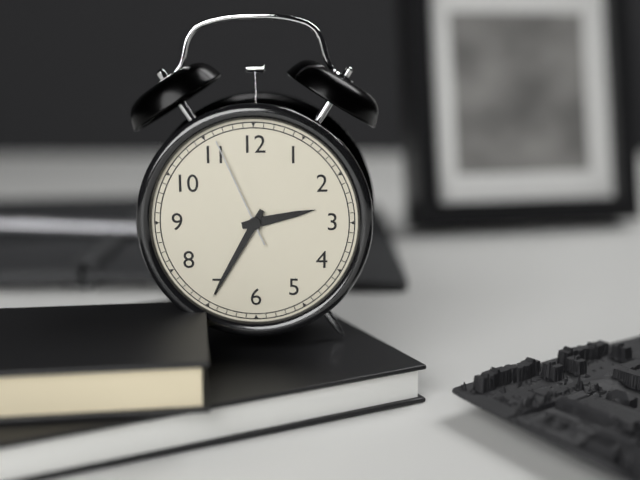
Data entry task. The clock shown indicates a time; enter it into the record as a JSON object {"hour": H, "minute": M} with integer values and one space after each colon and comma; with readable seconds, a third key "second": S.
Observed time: {"hour": 2, "minute": 35, "second": 56}
